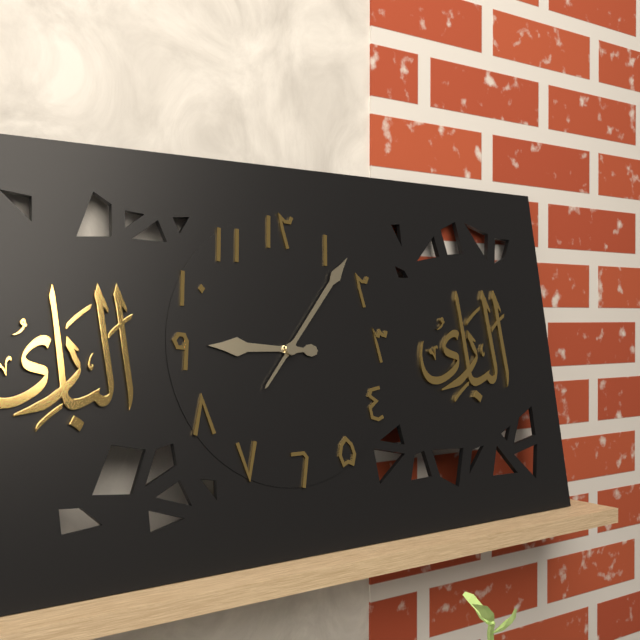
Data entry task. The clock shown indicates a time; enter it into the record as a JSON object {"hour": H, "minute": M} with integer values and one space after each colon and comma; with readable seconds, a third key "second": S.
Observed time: {"hour": 9, "minute": 7}
